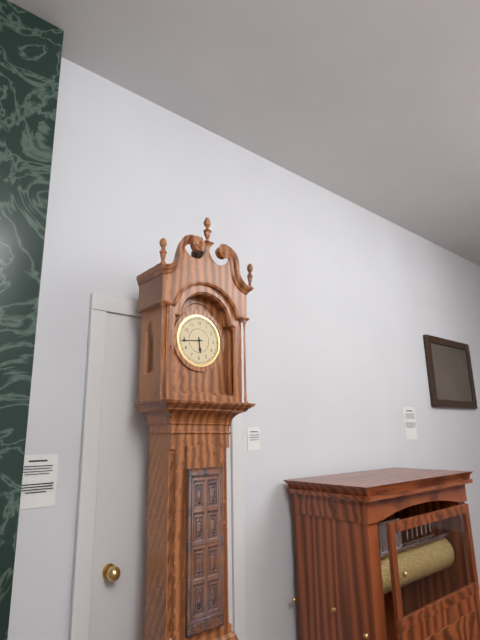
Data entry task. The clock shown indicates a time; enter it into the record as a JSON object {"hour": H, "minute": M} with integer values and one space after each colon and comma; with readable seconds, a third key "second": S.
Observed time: {"hour": 5, "minute": 44}
